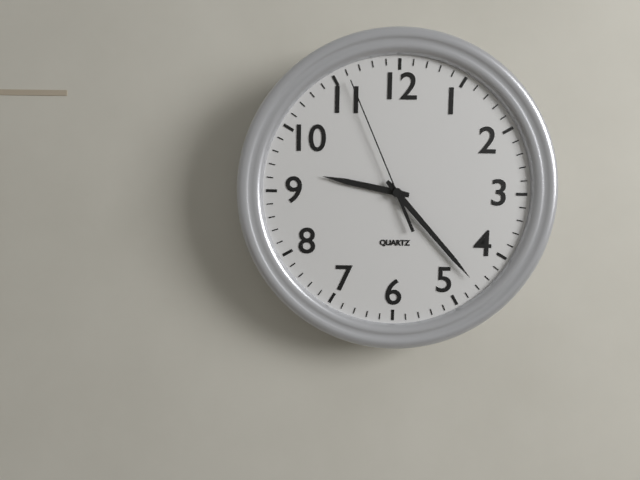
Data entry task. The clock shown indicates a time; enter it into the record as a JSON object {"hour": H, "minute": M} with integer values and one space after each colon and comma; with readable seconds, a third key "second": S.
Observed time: {"hour": 9, "minute": 23, "second": 56}
